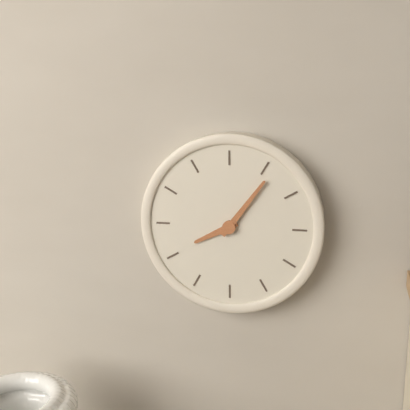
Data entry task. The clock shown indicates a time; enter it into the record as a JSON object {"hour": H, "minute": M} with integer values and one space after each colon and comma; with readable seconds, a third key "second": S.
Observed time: {"hour": 8, "minute": 6}
